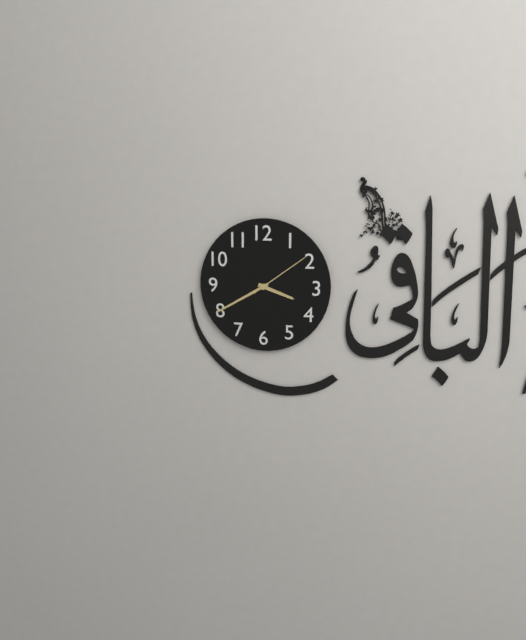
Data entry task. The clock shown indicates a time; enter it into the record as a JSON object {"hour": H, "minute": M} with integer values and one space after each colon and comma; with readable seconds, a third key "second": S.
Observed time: {"hour": 3, "minute": 40, "second": 9}
